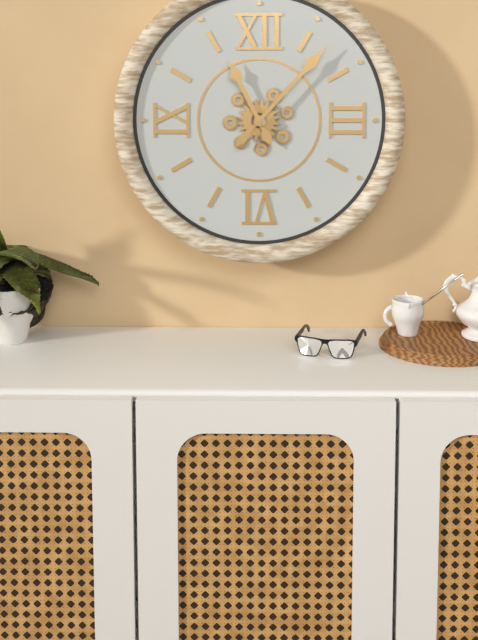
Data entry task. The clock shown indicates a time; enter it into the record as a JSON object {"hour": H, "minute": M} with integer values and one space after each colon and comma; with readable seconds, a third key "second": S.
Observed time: {"hour": 11, "minute": 7}
